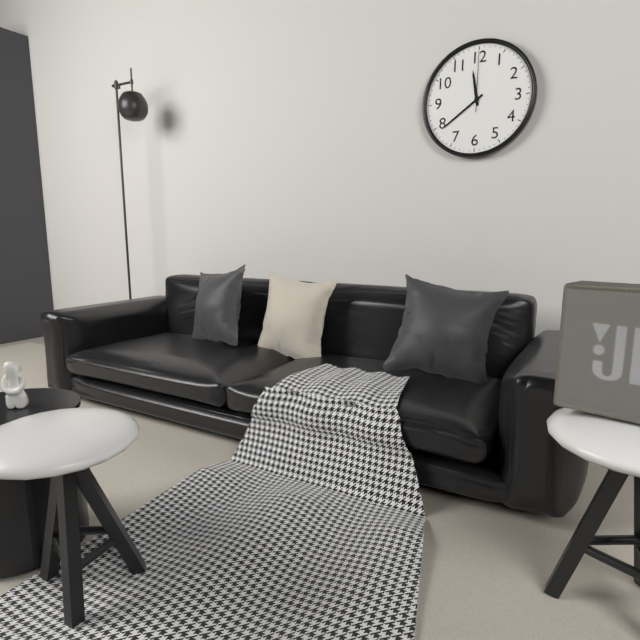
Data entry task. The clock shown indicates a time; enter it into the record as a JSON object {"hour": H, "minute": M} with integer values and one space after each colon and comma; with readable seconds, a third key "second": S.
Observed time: {"hour": 11, "minute": 39, "second": 0}
